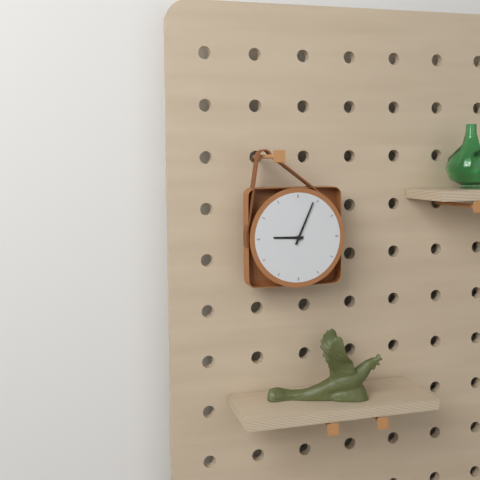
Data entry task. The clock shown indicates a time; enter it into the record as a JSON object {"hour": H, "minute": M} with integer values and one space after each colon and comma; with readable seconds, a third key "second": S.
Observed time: {"hour": 9, "minute": 4}
